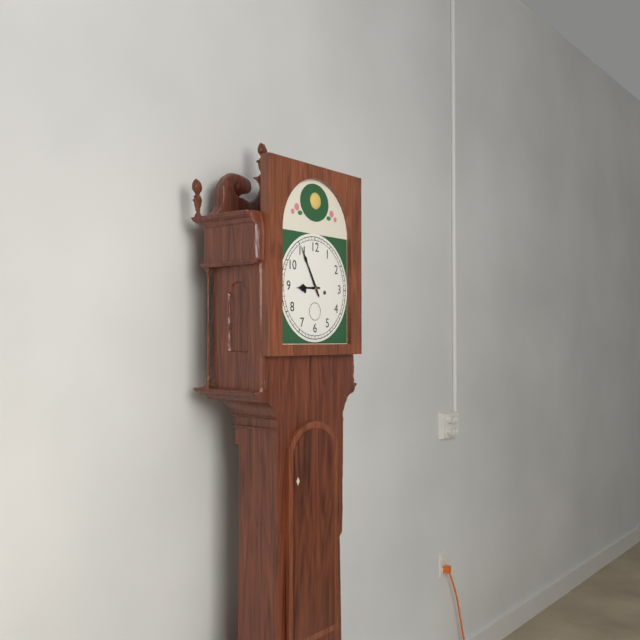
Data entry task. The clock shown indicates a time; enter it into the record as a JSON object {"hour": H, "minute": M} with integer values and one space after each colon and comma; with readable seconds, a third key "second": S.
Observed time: {"hour": 8, "minute": 55}
